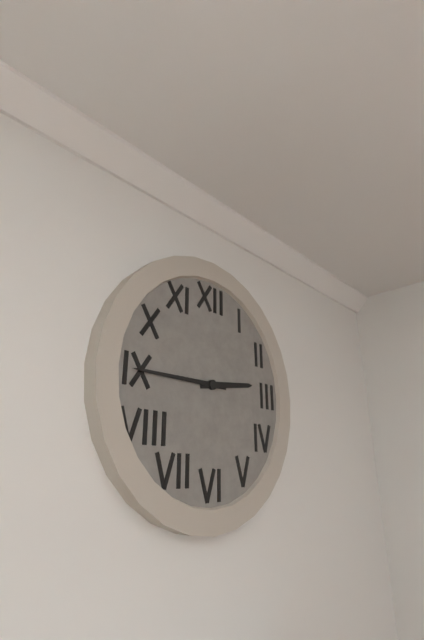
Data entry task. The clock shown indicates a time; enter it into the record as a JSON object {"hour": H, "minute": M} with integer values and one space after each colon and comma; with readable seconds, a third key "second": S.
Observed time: {"hour": 2, "minute": 45}
